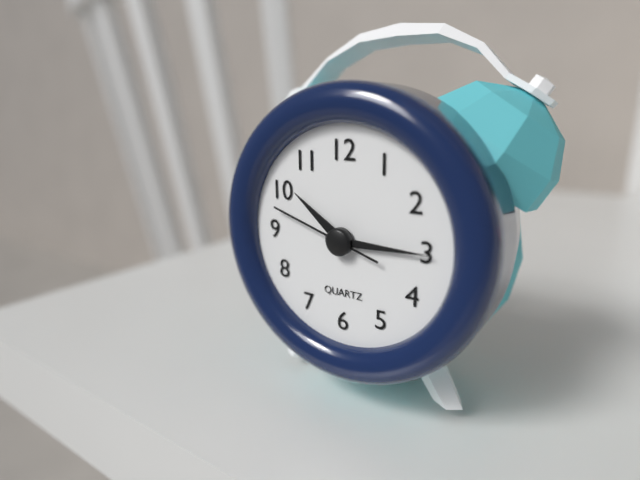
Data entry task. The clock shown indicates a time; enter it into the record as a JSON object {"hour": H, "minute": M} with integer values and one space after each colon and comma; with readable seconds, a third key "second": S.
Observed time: {"hour": 10, "minute": 15, "second": 48}
